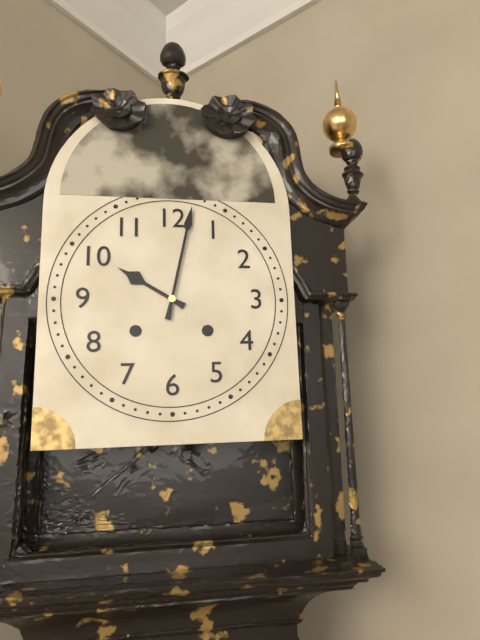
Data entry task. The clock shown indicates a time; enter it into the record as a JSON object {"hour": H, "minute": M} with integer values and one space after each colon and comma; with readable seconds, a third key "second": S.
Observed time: {"hour": 10, "minute": 2}
